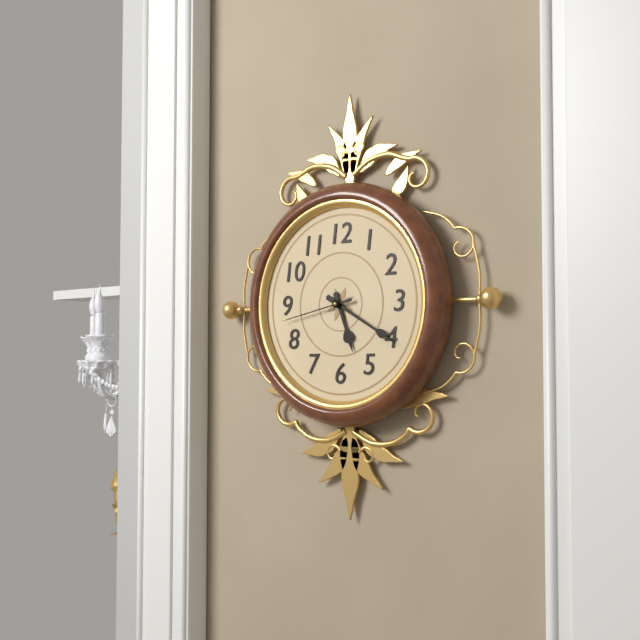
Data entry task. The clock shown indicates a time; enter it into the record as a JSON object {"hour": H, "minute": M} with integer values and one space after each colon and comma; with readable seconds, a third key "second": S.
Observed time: {"hour": 5, "minute": 20, "second": 43}
